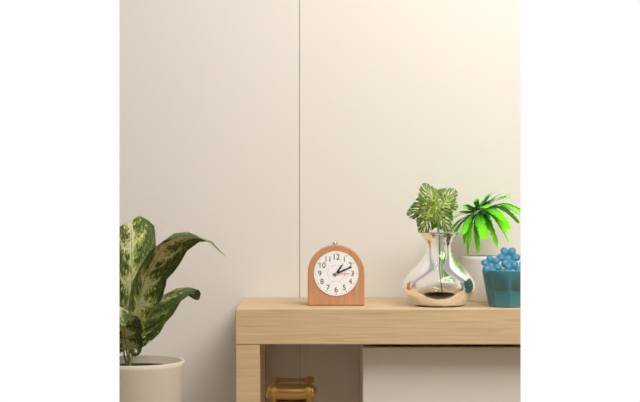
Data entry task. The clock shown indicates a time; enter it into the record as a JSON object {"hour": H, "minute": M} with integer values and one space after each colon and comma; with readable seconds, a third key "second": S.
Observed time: {"hour": 1, "minute": 11}
